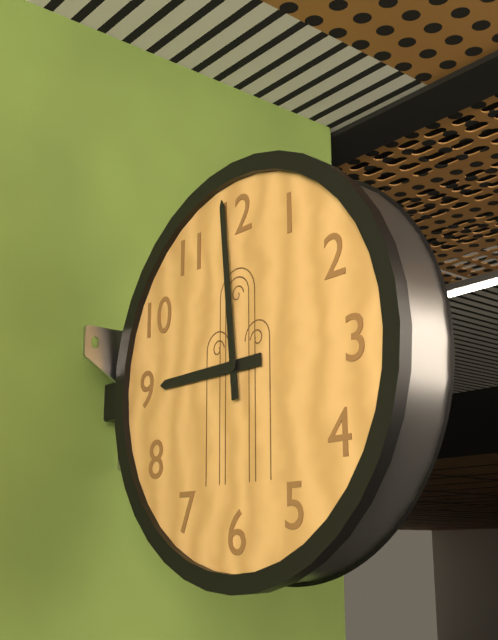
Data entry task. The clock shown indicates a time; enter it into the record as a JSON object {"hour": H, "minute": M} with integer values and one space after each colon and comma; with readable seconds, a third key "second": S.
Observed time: {"hour": 8, "minute": 59}
